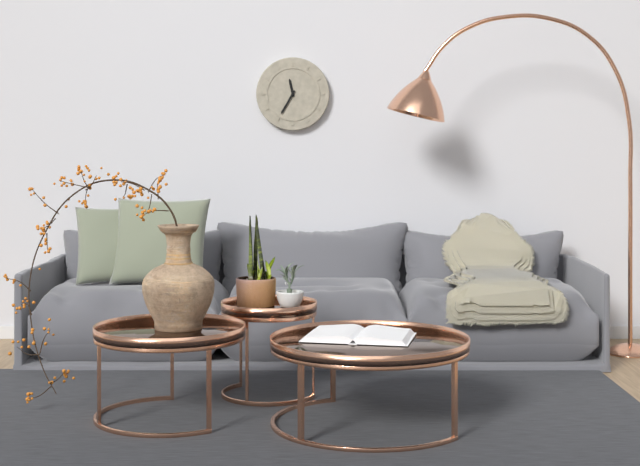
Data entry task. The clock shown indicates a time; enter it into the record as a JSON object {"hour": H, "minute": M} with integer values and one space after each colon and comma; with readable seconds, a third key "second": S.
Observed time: {"hour": 11, "minute": 35}
